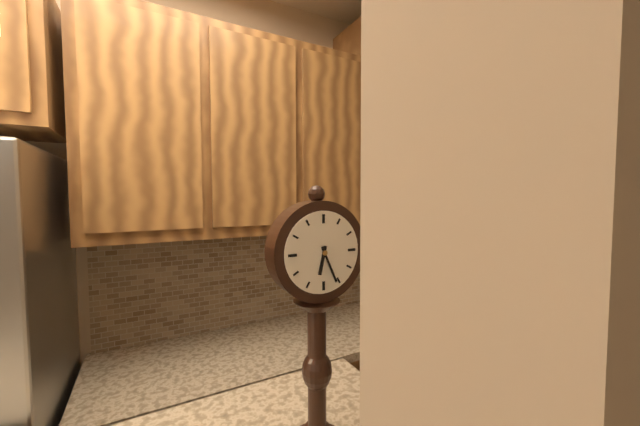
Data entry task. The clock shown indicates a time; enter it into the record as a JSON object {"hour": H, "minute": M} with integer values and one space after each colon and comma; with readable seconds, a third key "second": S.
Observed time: {"hour": 6, "minute": 26}
